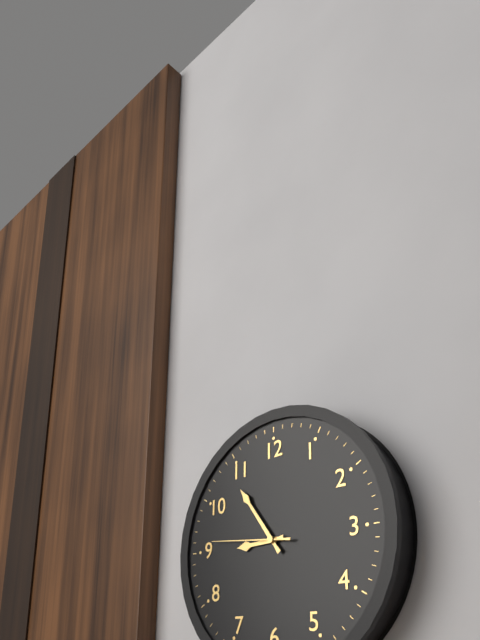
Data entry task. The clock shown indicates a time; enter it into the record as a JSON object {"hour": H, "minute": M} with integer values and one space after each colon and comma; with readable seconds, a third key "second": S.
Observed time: {"hour": 8, "minute": 54, "second": 46}
